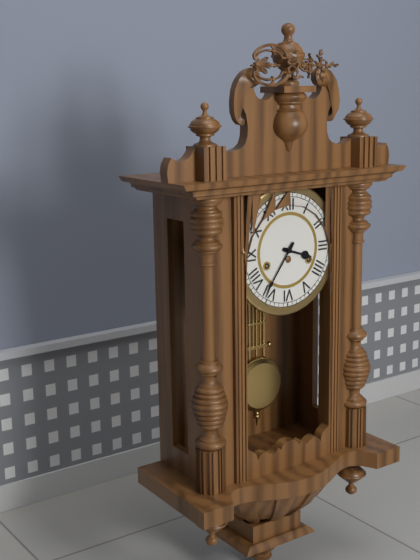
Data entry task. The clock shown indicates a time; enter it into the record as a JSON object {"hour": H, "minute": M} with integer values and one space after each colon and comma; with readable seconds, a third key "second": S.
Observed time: {"hour": 3, "minute": 36}
